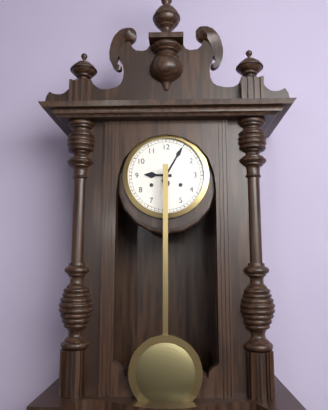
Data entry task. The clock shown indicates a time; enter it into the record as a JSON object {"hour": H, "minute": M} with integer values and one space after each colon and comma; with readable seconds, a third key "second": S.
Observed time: {"hour": 9, "minute": 5}
